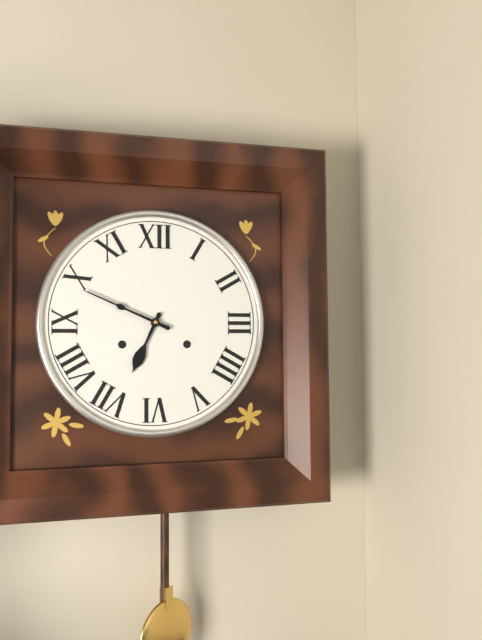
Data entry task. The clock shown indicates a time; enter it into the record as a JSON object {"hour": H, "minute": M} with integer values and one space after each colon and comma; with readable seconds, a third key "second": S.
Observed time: {"hour": 6, "minute": 49}
